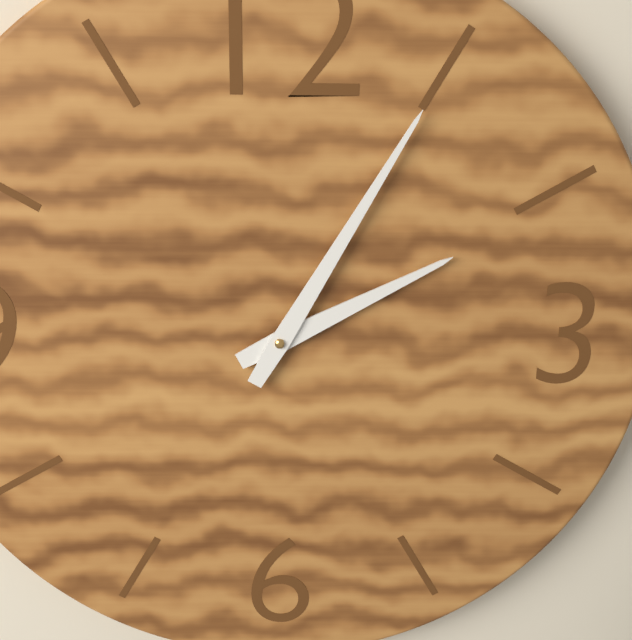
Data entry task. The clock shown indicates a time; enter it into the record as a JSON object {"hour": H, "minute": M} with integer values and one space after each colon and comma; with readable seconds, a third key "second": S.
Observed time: {"hour": 2, "minute": 5}
